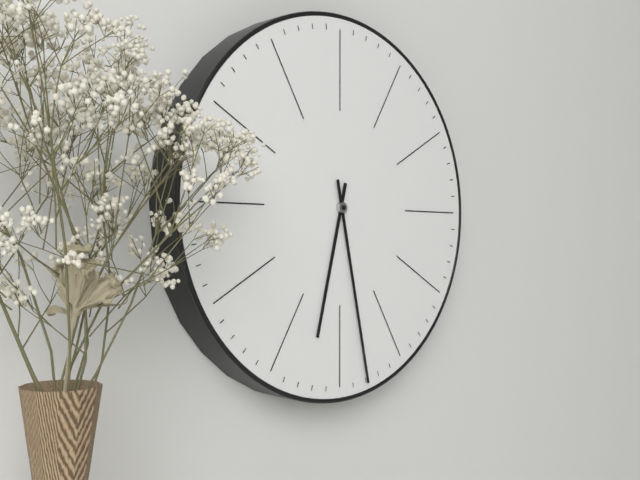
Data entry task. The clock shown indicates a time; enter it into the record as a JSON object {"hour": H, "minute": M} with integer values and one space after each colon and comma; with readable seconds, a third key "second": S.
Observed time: {"hour": 6, "minute": 28}
